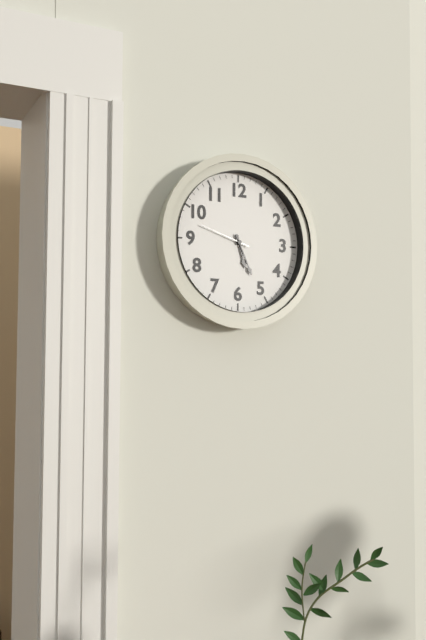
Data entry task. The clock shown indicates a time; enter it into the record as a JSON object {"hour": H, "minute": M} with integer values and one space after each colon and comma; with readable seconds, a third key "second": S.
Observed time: {"hour": 5, "minute": 26, "second": 48}
